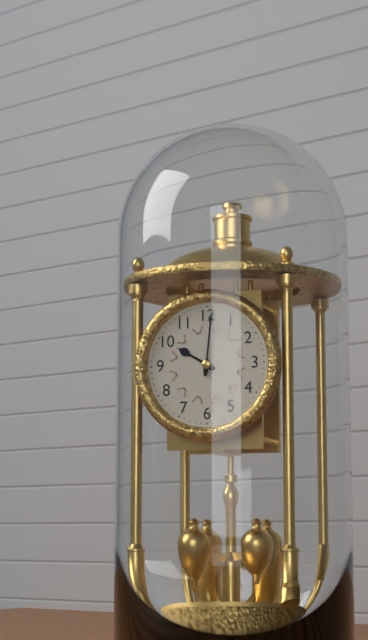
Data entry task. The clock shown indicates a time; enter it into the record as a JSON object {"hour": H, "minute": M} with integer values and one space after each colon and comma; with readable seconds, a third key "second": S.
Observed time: {"hour": 10, "minute": 1}
